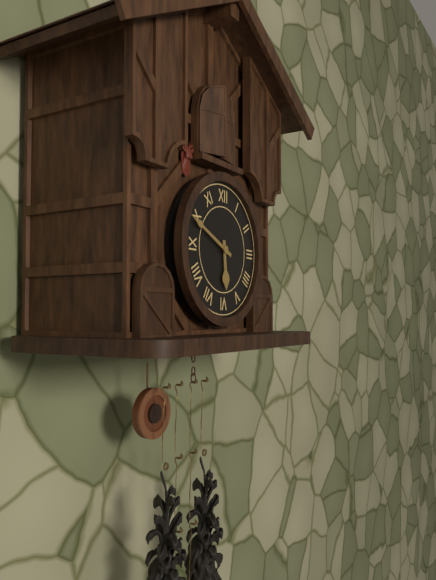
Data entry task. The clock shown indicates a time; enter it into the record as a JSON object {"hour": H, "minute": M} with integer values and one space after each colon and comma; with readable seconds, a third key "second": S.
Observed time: {"hour": 5, "minute": 49}
